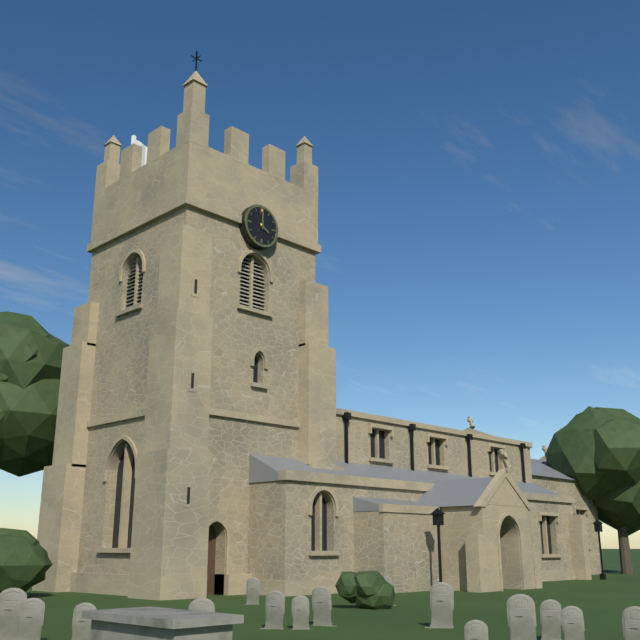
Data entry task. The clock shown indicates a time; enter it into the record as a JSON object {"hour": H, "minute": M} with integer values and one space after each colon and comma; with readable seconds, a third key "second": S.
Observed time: {"hour": 4, "minute": 0}
